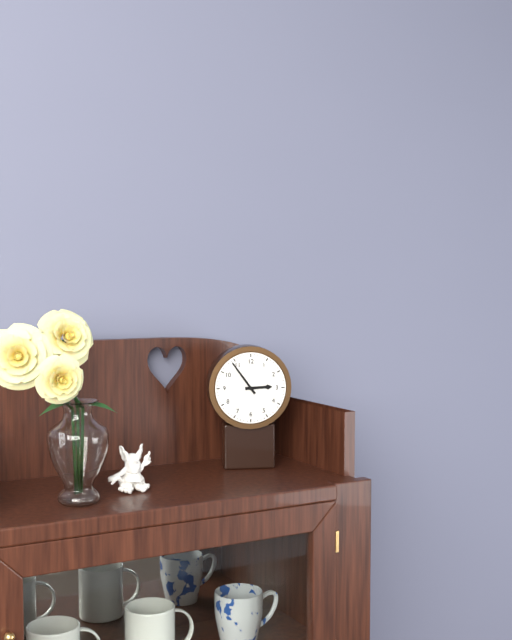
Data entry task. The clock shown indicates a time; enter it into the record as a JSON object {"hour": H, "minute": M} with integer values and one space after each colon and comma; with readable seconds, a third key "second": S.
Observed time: {"hour": 2, "minute": 54}
